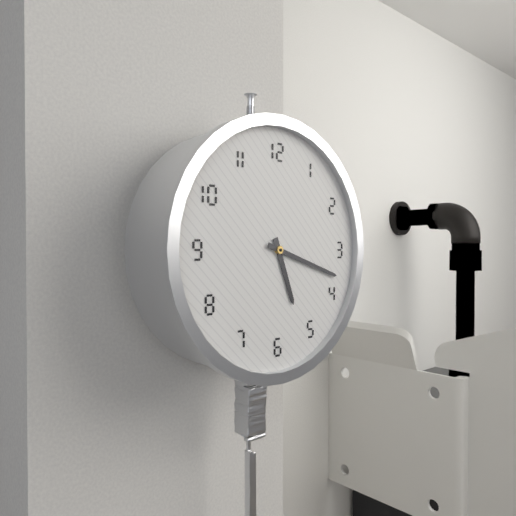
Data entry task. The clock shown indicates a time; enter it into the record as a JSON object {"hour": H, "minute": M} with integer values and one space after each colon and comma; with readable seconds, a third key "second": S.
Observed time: {"hour": 5, "minute": 18}
